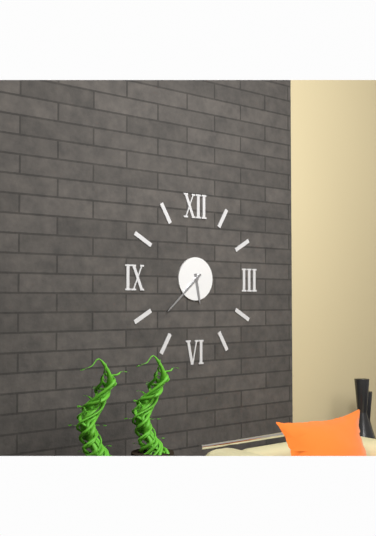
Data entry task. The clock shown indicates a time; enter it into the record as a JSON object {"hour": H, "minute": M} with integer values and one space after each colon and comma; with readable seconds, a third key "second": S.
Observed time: {"hour": 5, "minute": 38}
